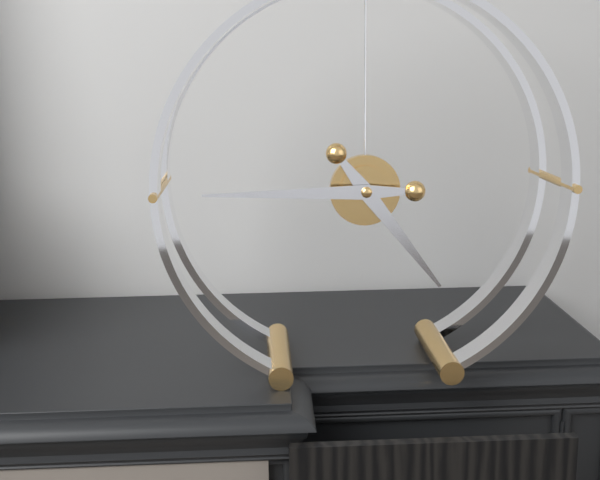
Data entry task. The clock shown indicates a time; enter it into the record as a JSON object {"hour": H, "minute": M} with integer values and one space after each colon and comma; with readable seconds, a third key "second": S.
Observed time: {"hour": 4, "minute": 45}
